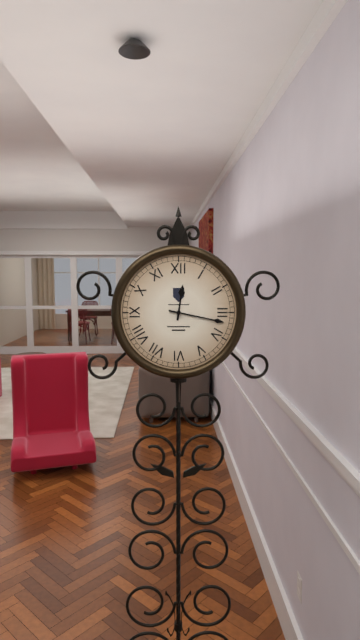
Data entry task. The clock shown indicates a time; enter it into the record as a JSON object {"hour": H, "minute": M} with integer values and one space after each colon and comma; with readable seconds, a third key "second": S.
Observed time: {"hour": 12, "minute": 17}
